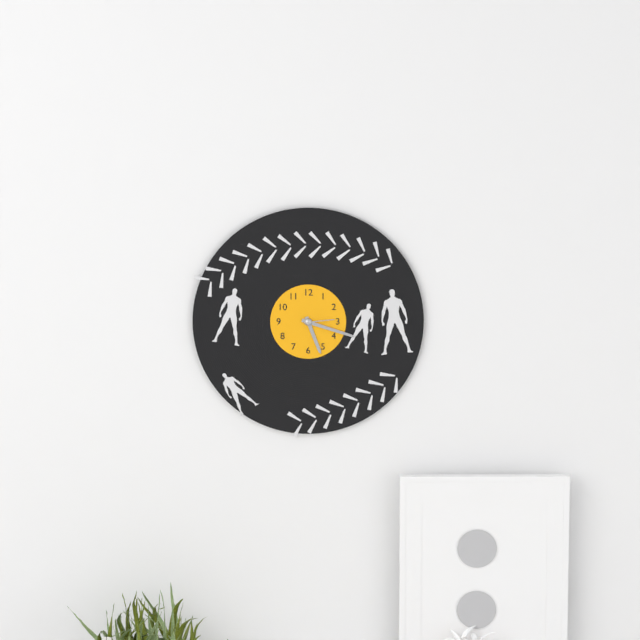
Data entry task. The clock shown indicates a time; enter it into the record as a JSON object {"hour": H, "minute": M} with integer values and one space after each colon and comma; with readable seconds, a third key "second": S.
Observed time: {"hour": 5, "minute": 18}
